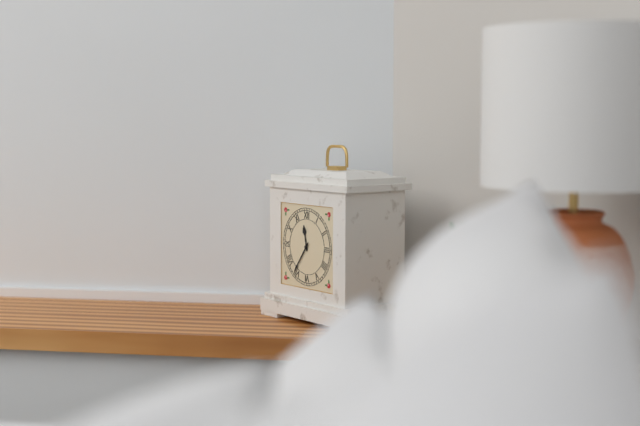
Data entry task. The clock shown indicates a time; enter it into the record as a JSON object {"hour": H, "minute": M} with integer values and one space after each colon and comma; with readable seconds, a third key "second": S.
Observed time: {"hour": 11, "minute": 36}
